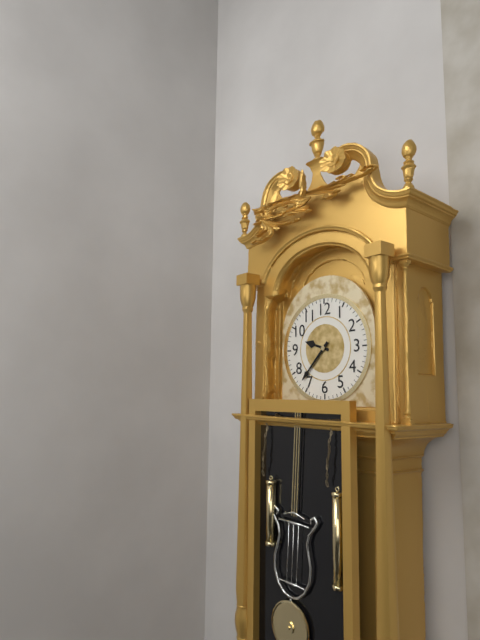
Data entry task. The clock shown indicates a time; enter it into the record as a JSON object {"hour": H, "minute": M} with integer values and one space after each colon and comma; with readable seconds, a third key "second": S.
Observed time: {"hour": 9, "minute": 37}
